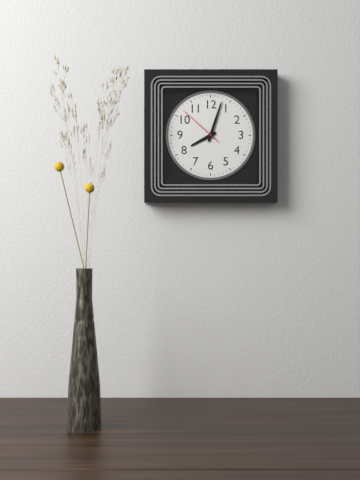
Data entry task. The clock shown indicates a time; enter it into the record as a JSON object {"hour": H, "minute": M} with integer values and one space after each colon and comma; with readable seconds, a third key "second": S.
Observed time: {"hour": 8, "minute": 3}
